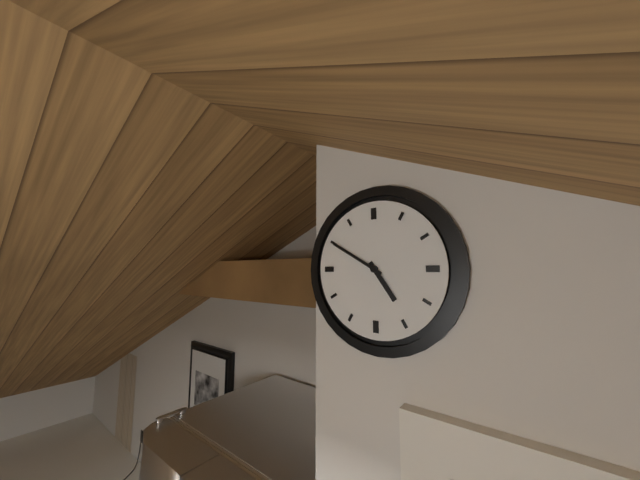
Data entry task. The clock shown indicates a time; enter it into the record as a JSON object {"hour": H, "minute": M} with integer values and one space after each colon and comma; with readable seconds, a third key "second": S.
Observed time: {"hour": 4, "minute": 50}
